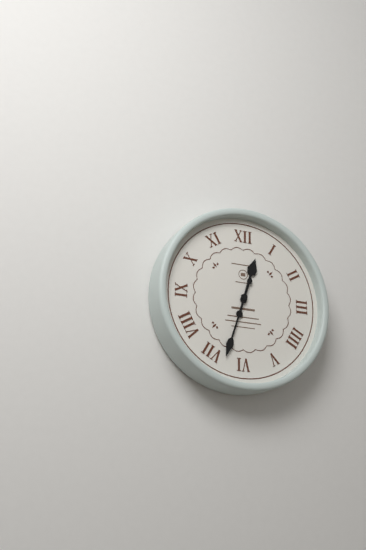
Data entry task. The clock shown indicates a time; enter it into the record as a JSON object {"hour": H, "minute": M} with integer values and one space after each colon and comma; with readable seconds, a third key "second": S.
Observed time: {"hour": 12, "minute": 33}
